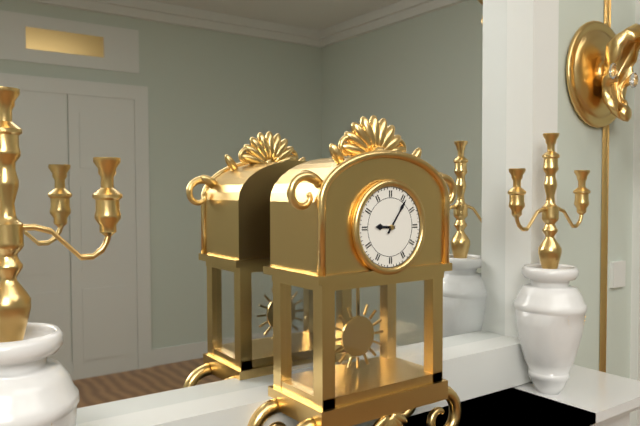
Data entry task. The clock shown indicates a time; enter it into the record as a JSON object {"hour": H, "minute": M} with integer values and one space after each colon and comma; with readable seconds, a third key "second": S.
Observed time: {"hour": 9, "minute": 6}
